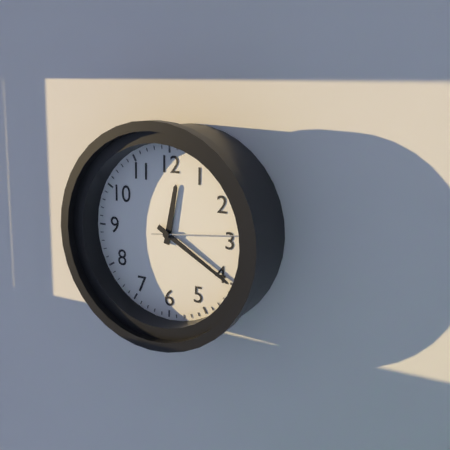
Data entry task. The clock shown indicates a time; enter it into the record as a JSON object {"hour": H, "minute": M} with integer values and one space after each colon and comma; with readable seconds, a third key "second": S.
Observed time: {"hour": 12, "minute": 20, "second": 14}
